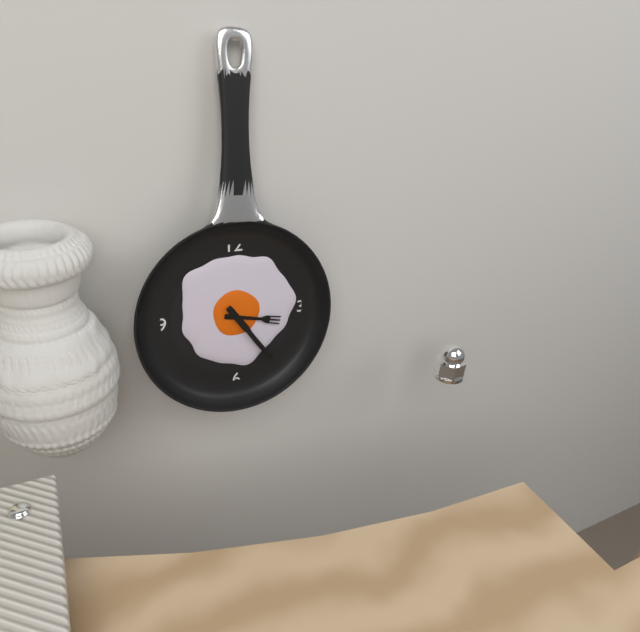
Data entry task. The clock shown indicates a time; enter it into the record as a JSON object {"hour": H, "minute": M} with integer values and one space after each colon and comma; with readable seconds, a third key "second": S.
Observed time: {"hour": 3, "minute": 24}
